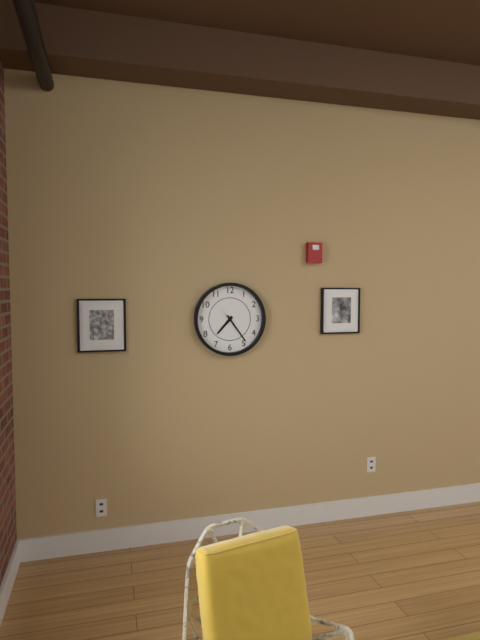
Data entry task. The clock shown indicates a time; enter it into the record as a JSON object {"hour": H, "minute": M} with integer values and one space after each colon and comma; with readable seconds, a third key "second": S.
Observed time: {"hour": 7, "minute": 24}
